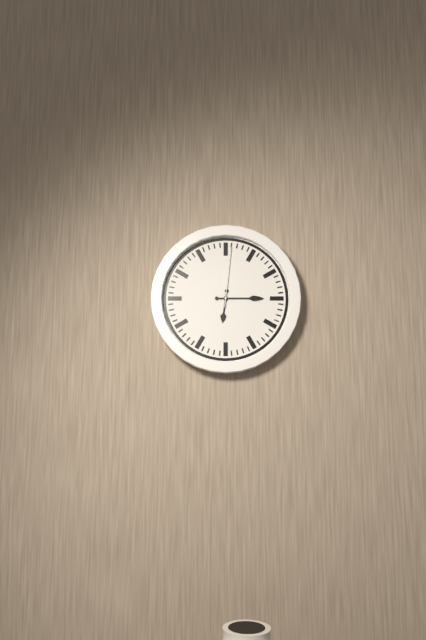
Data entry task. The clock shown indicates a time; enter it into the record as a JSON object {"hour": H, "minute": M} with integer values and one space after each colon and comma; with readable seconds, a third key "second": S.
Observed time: {"hour": 6, "minute": 15, "second": 1}
